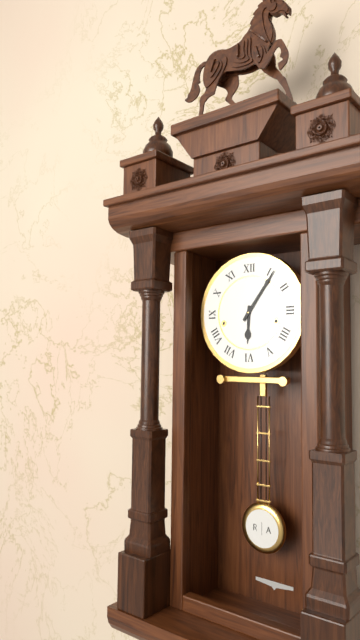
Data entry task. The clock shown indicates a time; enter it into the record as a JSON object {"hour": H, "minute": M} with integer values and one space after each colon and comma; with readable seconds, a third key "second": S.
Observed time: {"hour": 6, "minute": 6}
